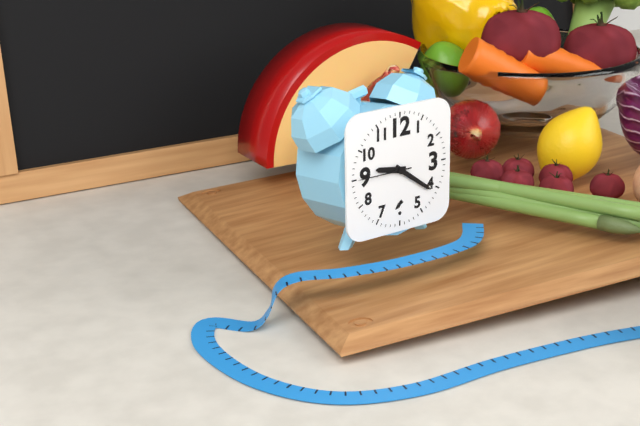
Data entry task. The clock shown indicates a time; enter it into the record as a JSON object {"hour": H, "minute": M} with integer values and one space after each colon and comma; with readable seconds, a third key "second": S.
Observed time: {"hour": 9, "minute": 21, "second": 45}
